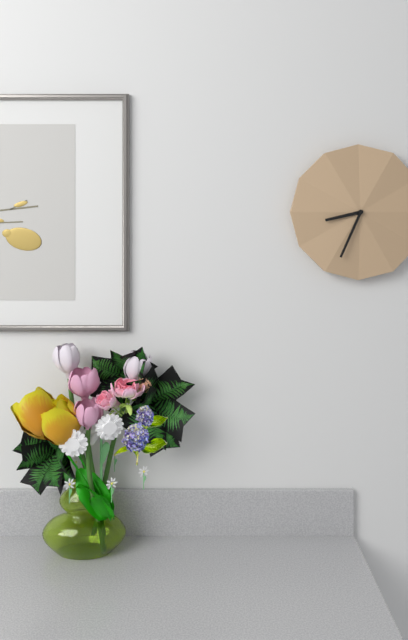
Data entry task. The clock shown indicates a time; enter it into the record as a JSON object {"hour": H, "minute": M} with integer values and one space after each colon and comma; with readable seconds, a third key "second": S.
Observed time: {"hour": 8, "minute": 34}
